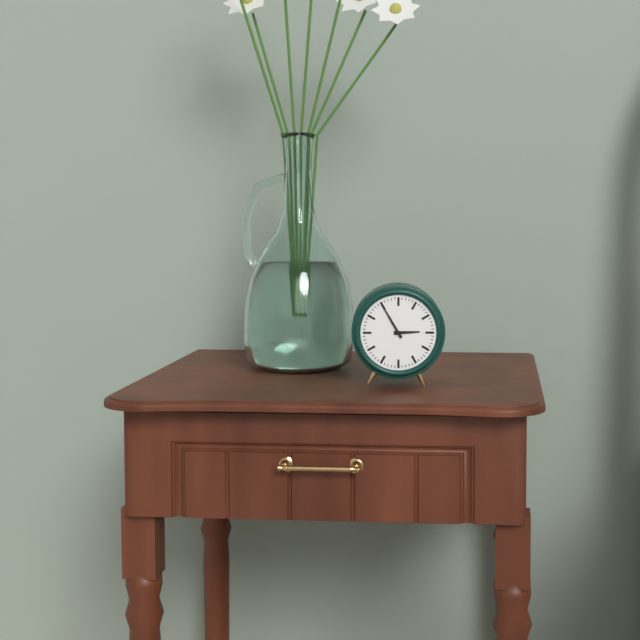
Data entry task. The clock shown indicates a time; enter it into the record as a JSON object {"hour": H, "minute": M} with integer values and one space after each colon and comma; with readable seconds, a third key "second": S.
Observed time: {"hour": 2, "minute": 55}
